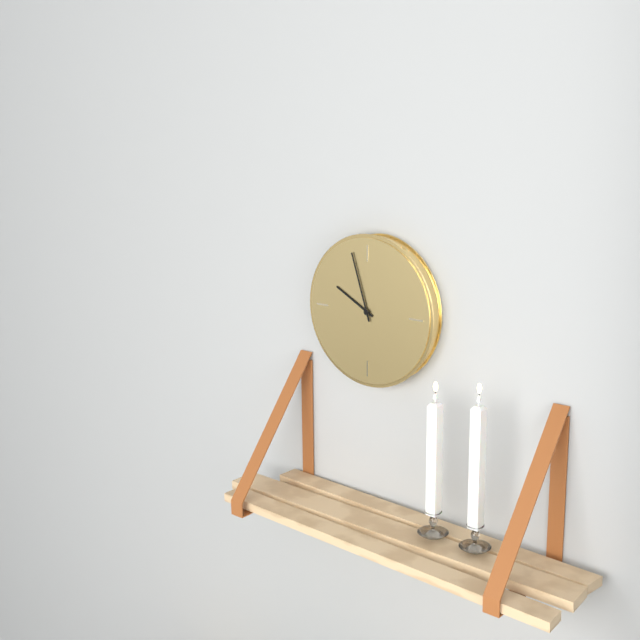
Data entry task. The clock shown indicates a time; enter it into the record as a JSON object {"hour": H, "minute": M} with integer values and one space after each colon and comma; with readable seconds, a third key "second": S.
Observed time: {"hour": 9, "minute": 57}
